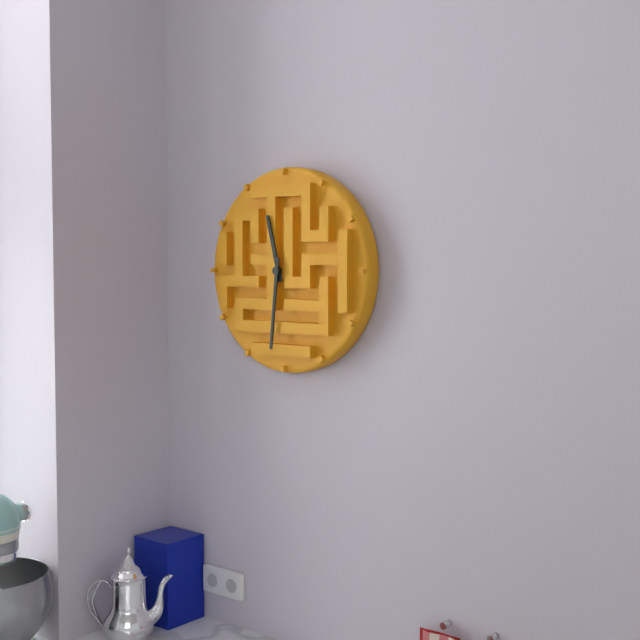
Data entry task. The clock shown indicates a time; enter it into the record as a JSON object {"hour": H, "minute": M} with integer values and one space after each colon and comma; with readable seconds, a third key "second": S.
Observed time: {"hour": 11, "minute": 31}
